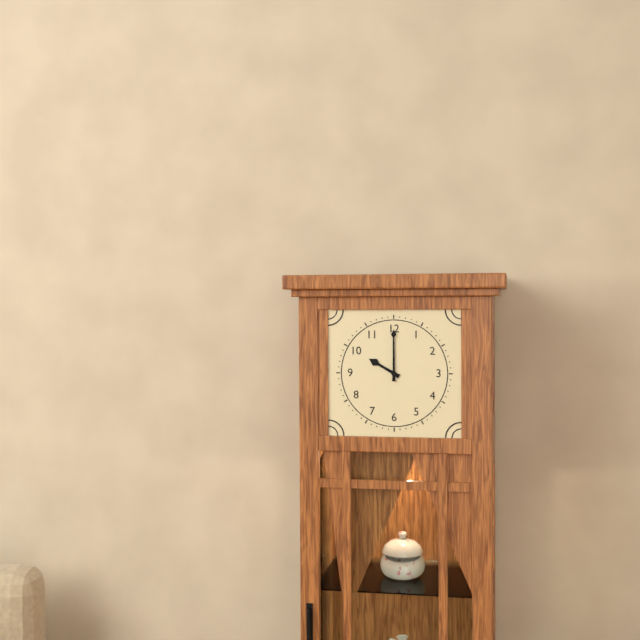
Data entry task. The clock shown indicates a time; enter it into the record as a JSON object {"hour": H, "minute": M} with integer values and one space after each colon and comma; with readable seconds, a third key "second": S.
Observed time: {"hour": 10, "minute": 0}
